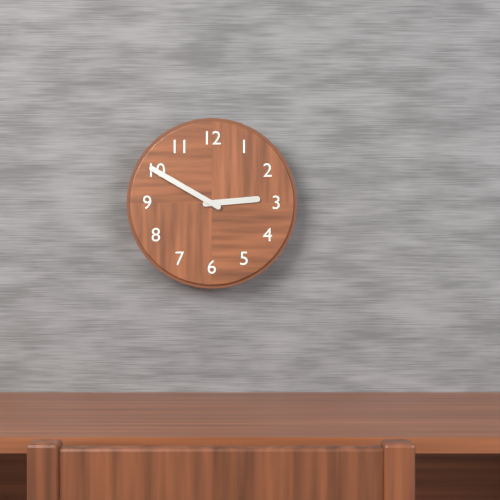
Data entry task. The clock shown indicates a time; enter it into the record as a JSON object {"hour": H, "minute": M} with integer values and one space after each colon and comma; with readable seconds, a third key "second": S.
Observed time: {"hour": 2, "minute": 50}
